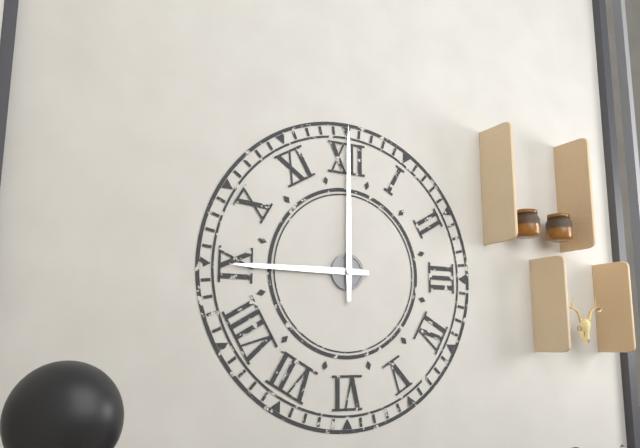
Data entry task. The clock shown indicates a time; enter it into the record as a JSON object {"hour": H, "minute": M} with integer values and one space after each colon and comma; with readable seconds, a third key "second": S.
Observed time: {"hour": 9, "minute": 0}
